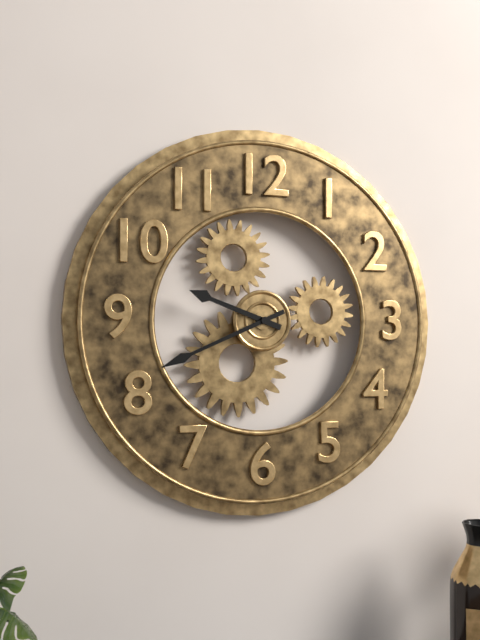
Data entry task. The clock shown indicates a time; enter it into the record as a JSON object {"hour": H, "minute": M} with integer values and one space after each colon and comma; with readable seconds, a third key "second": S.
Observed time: {"hour": 9, "minute": 41}
